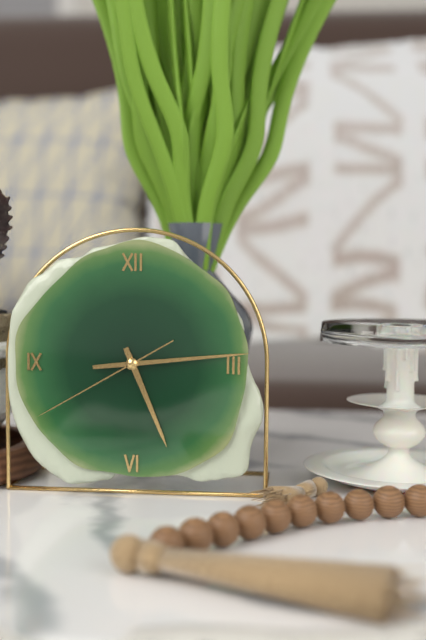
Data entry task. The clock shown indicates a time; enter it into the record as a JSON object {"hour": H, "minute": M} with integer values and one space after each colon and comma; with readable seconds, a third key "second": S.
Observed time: {"hour": 5, "minute": 14, "second": 40}
